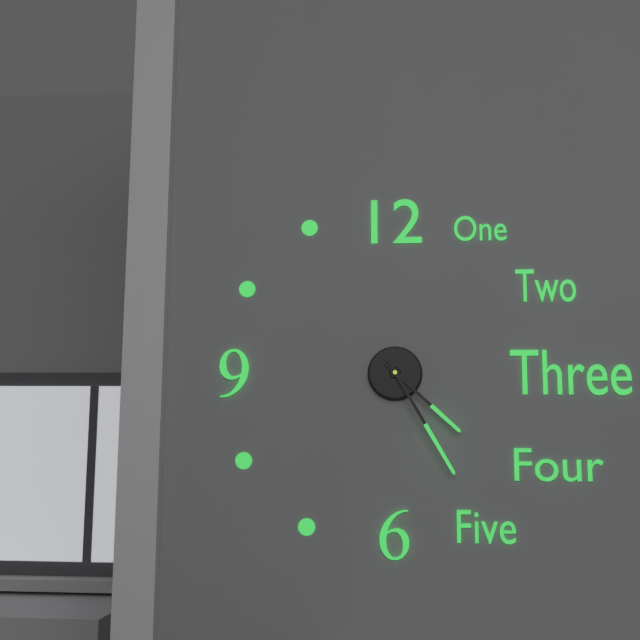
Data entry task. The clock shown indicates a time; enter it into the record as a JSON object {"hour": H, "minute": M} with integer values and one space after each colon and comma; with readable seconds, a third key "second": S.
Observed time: {"hour": 4, "minute": 25}
